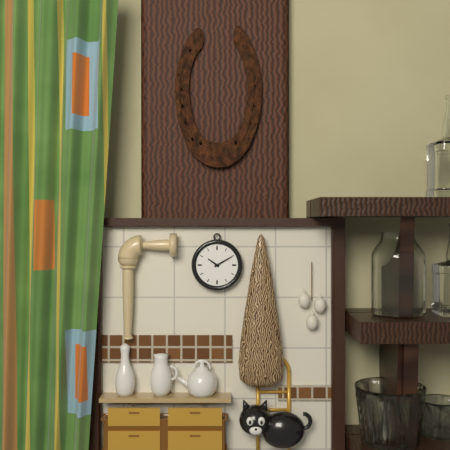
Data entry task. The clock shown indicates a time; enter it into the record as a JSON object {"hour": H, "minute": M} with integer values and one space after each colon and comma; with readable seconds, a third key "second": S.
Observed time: {"hour": 10, "minute": 10}
